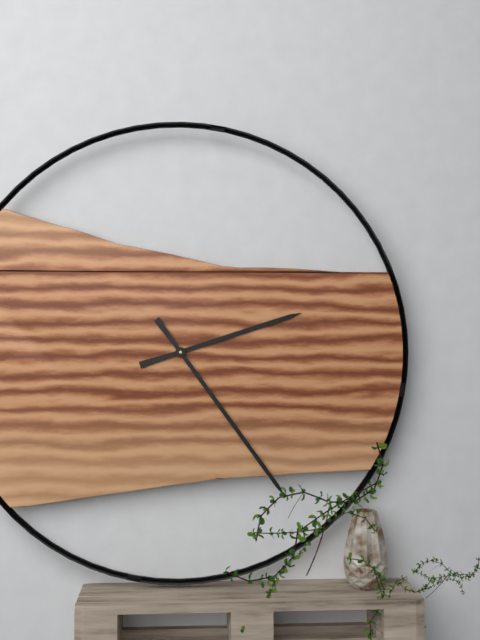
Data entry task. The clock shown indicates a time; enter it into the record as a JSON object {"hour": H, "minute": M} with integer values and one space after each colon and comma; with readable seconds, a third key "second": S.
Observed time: {"hour": 2, "minute": 24}
